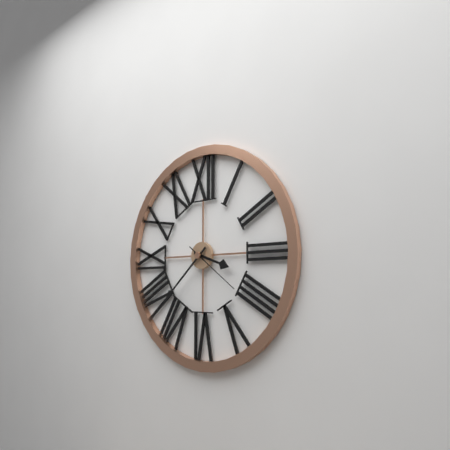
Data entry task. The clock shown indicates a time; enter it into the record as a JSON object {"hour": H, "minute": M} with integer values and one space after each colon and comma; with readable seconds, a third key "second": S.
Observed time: {"hour": 3, "minute": 38, "second": 21}
